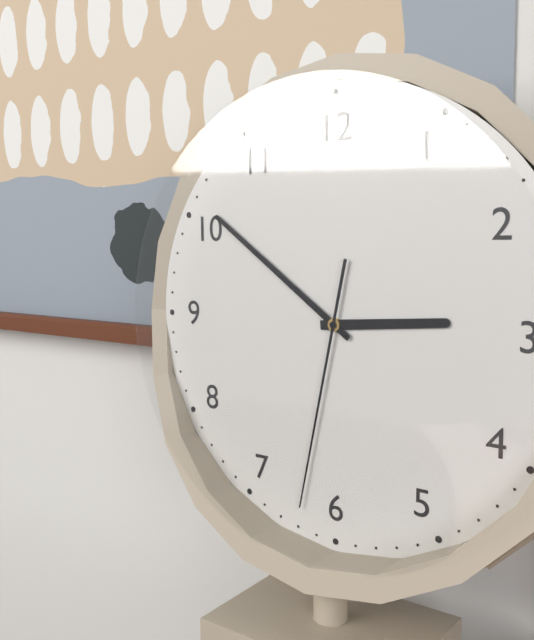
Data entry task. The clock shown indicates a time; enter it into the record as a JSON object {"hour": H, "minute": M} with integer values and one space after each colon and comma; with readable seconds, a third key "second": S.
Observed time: {"hour": 2, "minute": 51, "second": 32}
